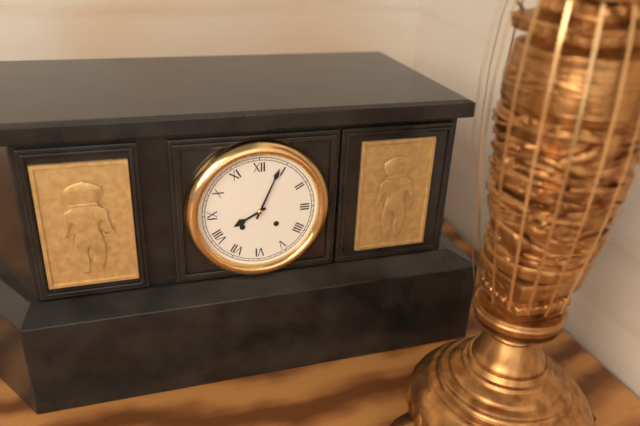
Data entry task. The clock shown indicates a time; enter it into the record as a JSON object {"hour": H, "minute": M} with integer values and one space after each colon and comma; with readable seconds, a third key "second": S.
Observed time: {"hour": 8, "minute": 4}
